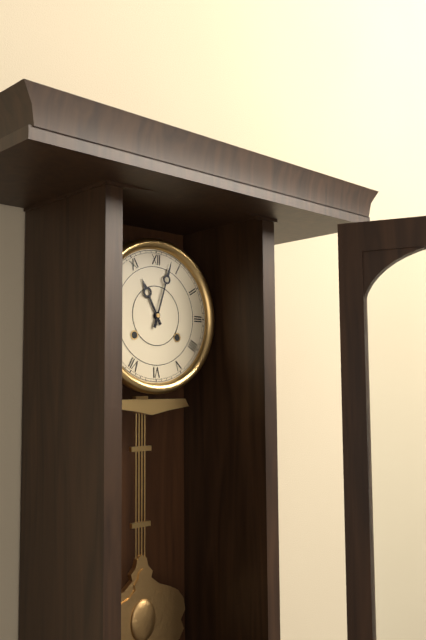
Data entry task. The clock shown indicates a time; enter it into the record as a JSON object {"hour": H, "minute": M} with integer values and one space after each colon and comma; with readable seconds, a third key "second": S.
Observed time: {"hour": 11, "minute": 3}
